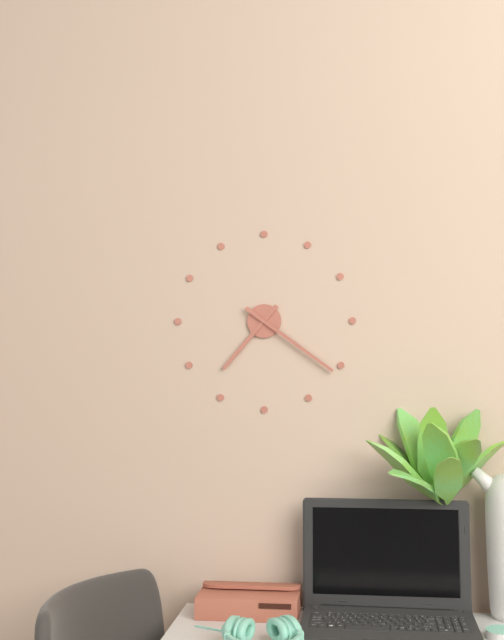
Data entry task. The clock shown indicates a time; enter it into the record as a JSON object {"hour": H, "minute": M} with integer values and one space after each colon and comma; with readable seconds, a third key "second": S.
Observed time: {"hour": 7, "minute": 21}
